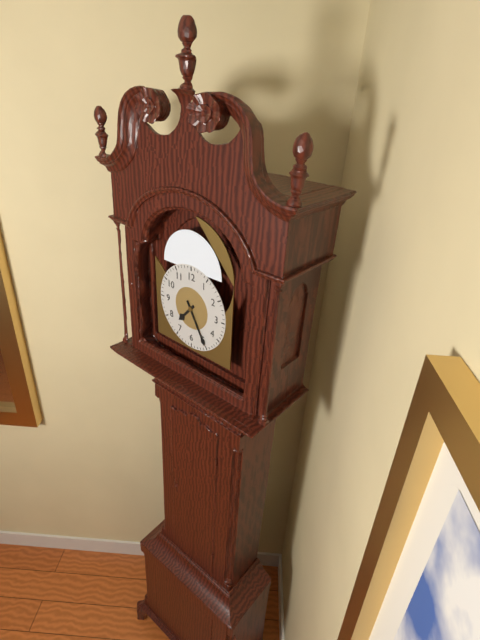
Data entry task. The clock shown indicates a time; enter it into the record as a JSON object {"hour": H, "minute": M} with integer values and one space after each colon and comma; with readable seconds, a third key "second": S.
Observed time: {"hour": 7, "minute": 25}
